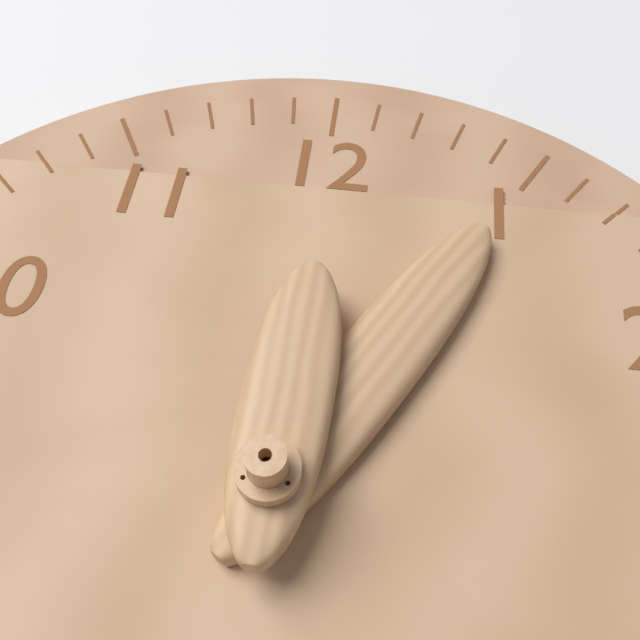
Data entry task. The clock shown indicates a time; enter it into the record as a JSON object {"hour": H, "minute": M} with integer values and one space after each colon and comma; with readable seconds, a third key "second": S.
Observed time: {"hour": 12, "minute": 5}
